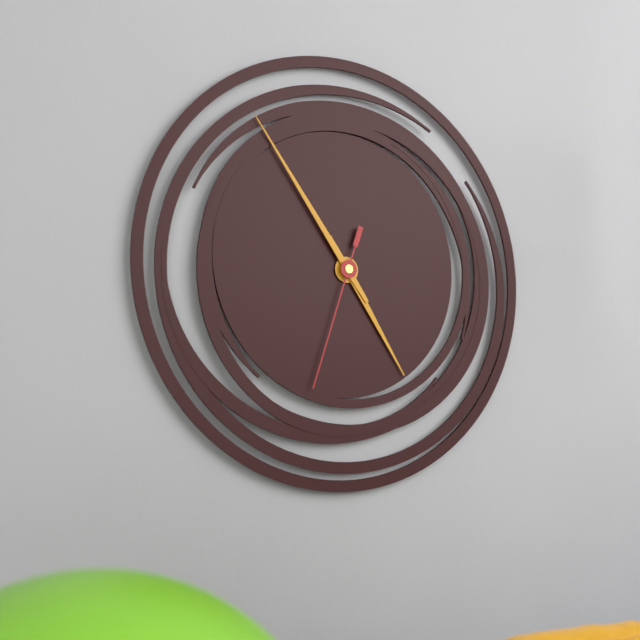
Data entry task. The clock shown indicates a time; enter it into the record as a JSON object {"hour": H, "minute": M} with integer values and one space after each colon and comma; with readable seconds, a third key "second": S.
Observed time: {"hour": 4, "minute": 54, "second": 33}
